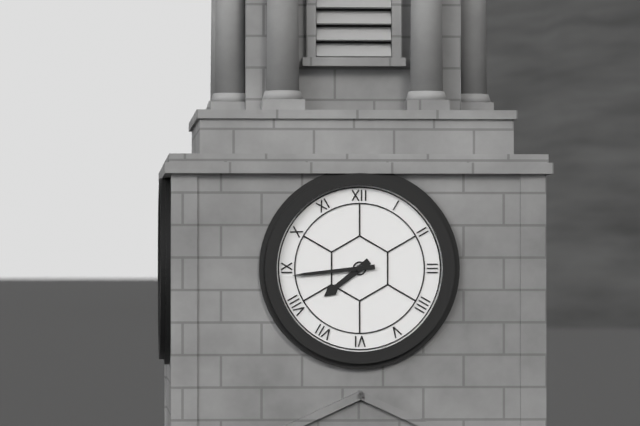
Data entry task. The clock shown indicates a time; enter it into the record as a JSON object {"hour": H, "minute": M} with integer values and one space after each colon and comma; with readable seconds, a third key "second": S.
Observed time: {"hour": 7, "minute": 44}
